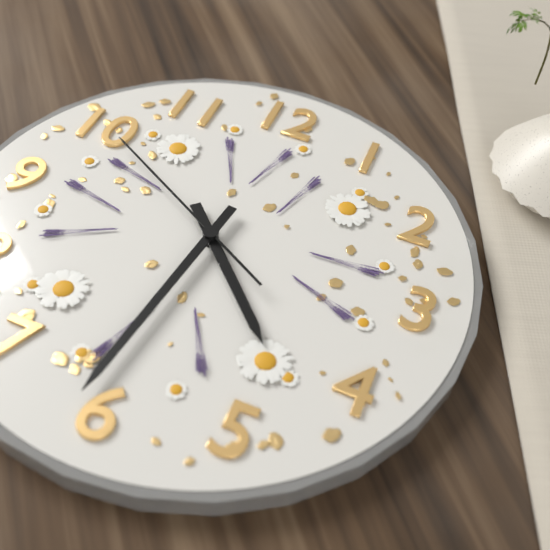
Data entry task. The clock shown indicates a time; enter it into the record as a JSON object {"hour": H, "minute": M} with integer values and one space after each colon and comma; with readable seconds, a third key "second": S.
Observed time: {"hour": 4, "minute": 31, "second": 50}
